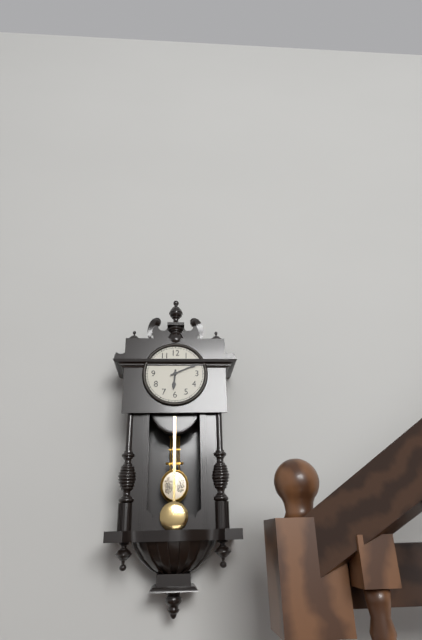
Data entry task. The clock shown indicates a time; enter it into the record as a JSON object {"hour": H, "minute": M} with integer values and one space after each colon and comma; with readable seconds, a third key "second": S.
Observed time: {"hour": 6, "minute": 11}
